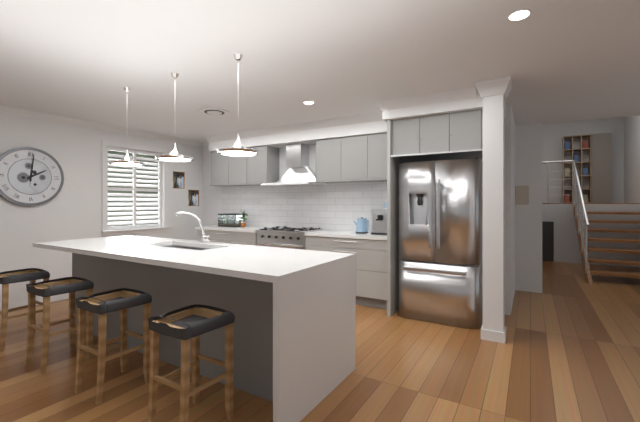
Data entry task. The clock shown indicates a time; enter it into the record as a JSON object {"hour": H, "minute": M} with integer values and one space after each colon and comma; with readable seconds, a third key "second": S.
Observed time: {"hour": 2, "minute": 1}
